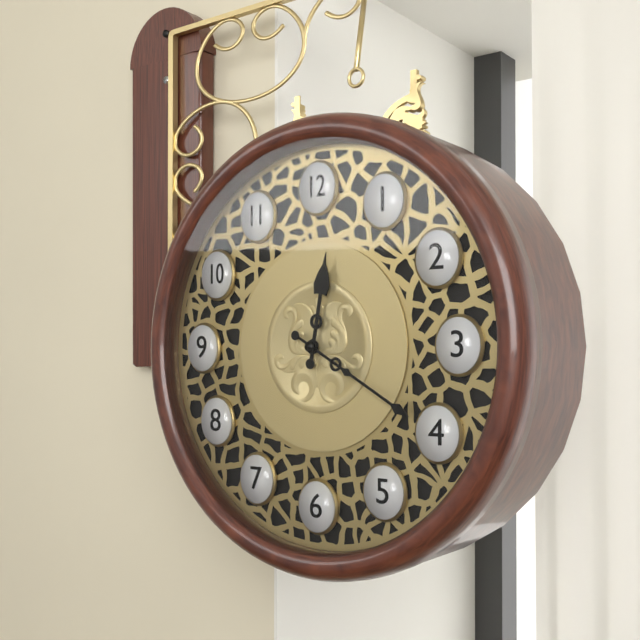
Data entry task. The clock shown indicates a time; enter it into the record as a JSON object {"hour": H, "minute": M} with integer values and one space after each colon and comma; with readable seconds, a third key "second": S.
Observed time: {"hour": 12, "minute": 20}
